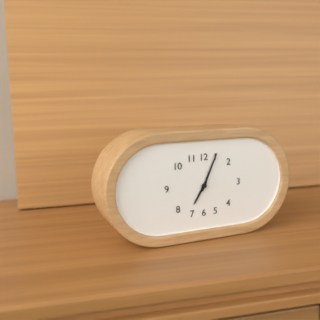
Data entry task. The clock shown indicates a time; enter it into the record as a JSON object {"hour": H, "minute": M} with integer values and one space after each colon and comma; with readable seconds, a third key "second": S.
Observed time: {"hour": 7, "minute": 4}
